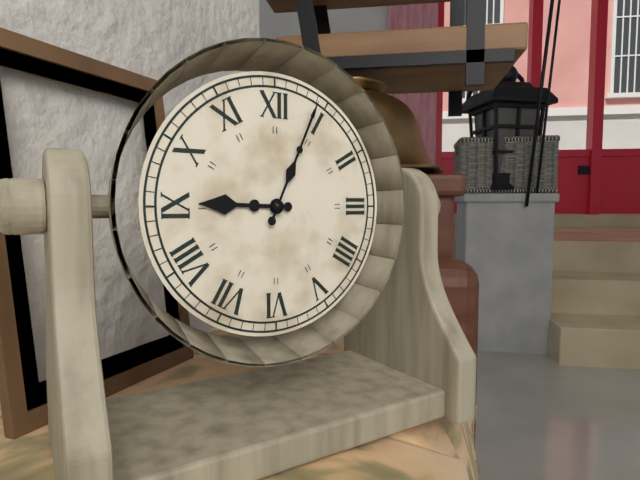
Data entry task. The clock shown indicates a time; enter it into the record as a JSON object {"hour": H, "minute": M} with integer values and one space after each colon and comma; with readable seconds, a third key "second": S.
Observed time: {"hour": 9, "minute": 4}
